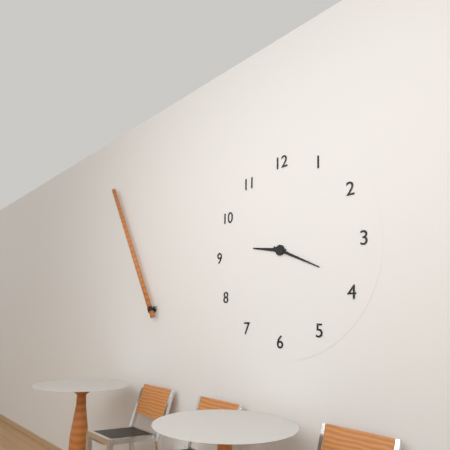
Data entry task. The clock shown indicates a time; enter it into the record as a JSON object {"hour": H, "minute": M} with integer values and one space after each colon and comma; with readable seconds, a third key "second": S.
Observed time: {"hour": 9, "minute": 19}
